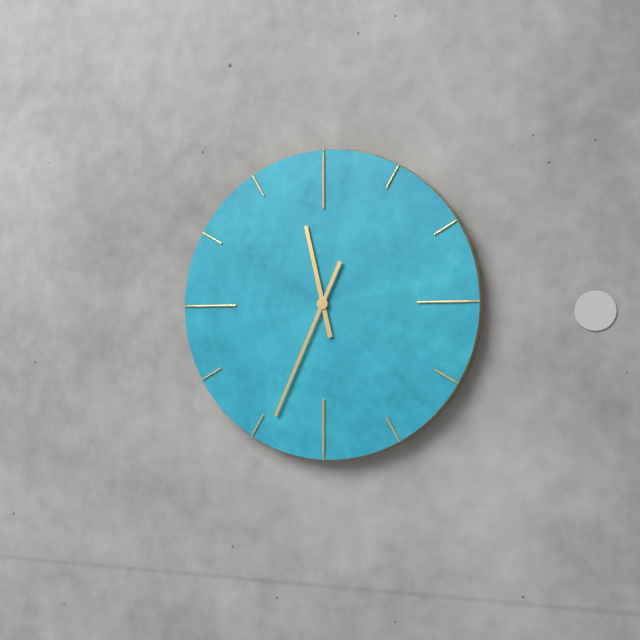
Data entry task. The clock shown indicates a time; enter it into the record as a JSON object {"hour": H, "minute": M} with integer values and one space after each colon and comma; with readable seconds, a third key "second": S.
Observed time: {"hour": 11, "minute": 34}
